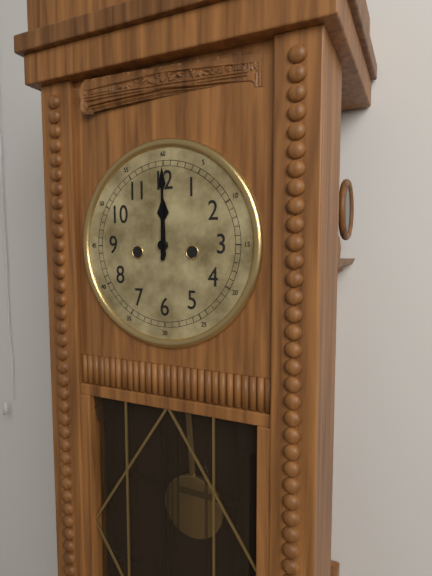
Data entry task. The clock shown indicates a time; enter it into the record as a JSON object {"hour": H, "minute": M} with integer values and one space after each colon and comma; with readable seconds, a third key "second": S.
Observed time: {"hour": 12, "minute": 0}
